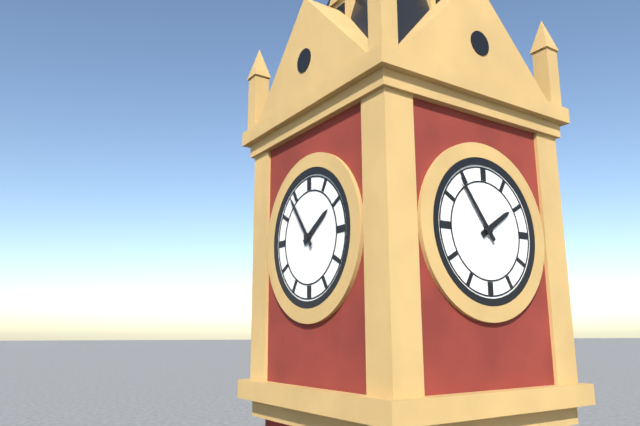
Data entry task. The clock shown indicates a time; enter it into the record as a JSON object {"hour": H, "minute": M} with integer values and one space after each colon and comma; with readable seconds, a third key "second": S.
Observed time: {"hour": 1, "minute": 54}
